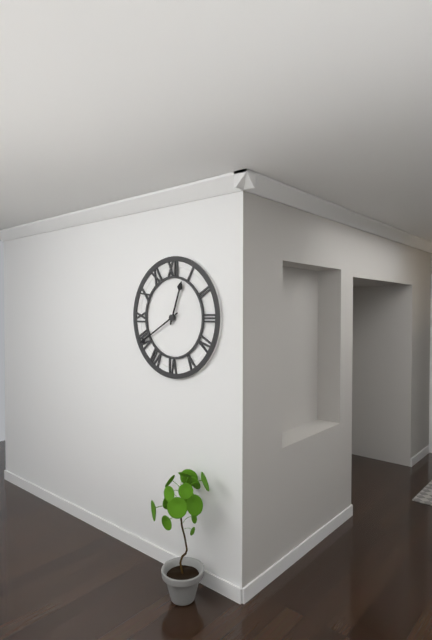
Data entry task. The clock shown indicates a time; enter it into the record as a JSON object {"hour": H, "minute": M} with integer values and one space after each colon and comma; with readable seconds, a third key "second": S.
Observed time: {"hour": 12, "minute": 40}
